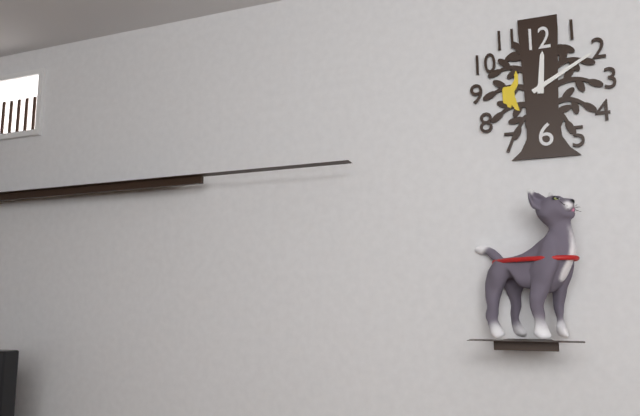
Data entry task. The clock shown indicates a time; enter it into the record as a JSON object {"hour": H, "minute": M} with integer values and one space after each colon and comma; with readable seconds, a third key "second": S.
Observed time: {"hour": 12, "minute": 10}
